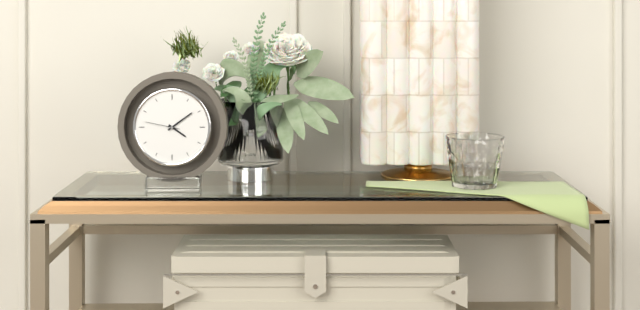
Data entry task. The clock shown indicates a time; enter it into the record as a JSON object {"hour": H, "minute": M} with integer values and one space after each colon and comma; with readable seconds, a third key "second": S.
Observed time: {"hour": 4, "minute": 9}
